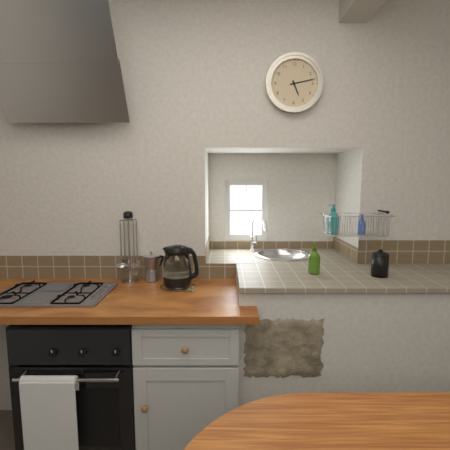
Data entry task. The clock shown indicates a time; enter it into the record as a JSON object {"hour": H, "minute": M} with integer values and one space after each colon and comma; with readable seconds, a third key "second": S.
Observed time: {"hour": 5, "minute": 13}
